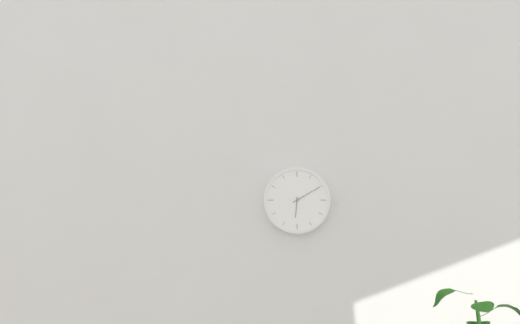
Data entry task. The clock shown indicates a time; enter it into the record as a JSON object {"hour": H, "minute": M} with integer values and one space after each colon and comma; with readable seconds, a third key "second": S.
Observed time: {"hour": 6, "minute": 10}
